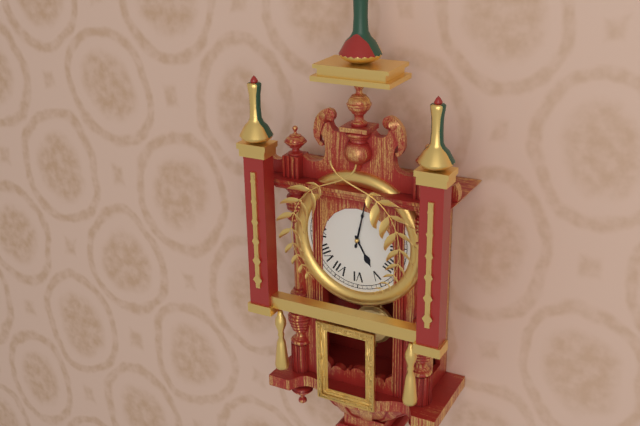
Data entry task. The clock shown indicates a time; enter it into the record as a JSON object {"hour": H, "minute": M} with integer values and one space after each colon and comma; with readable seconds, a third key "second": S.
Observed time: {"hour": 5, "minute": 2}
